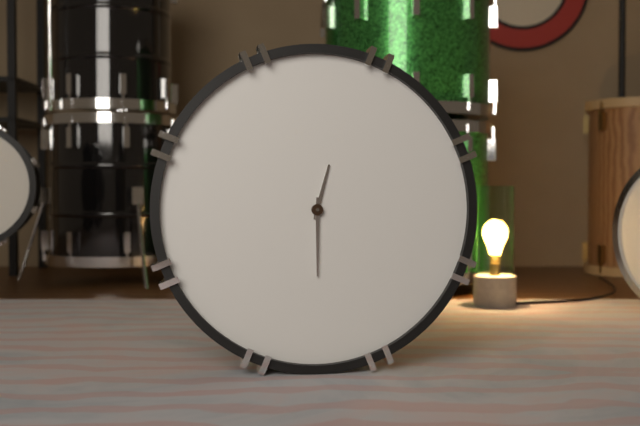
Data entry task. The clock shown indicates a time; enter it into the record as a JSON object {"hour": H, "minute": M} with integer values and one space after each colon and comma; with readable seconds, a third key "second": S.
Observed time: {"hour": 12, "minute": 30}
